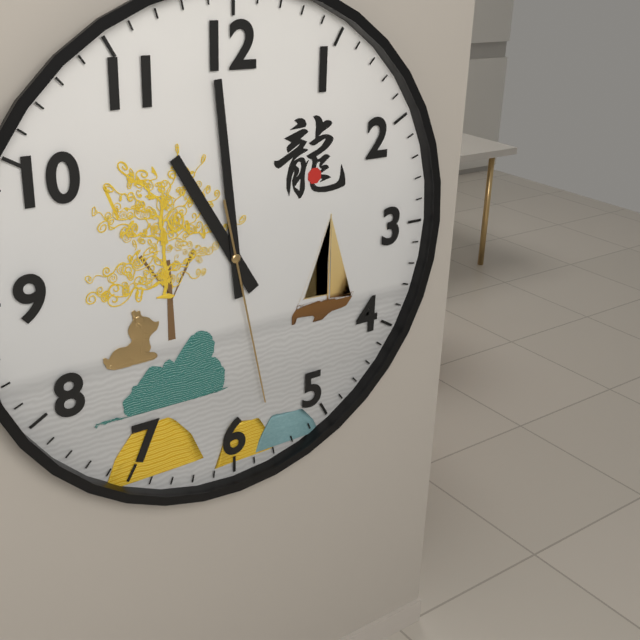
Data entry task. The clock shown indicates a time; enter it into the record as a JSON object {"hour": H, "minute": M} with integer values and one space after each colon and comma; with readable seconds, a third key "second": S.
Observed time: {"hour": 10, "minute": 59, "second": 28}
